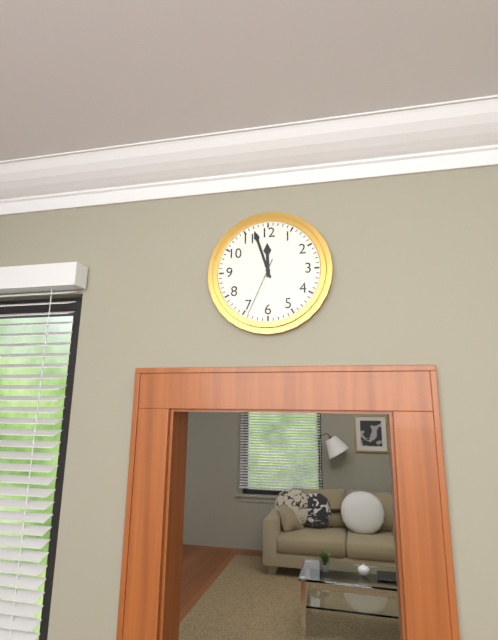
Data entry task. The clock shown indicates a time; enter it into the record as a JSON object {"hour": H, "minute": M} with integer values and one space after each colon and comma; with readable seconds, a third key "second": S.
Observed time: {"hour": 11, "minute": 57, "second": 34}
